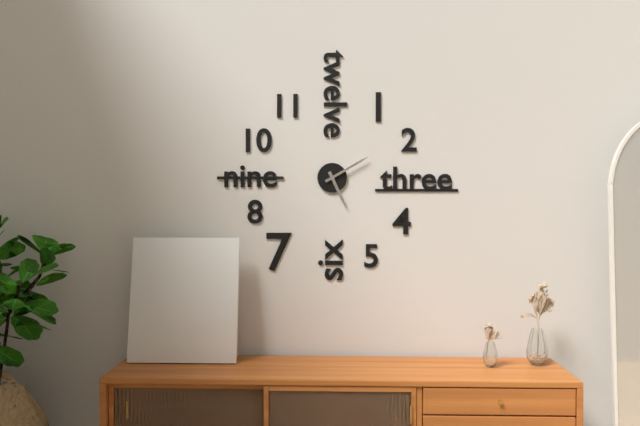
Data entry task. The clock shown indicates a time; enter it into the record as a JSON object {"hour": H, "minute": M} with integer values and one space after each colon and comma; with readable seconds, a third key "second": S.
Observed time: {"hour": 5, "minute": 10}
